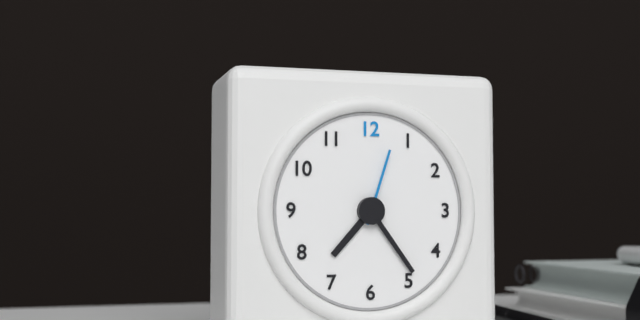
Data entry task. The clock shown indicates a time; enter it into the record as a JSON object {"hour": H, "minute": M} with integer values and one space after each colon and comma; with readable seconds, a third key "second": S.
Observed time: {"hour": 7, "minute": 24, "second": 3}
